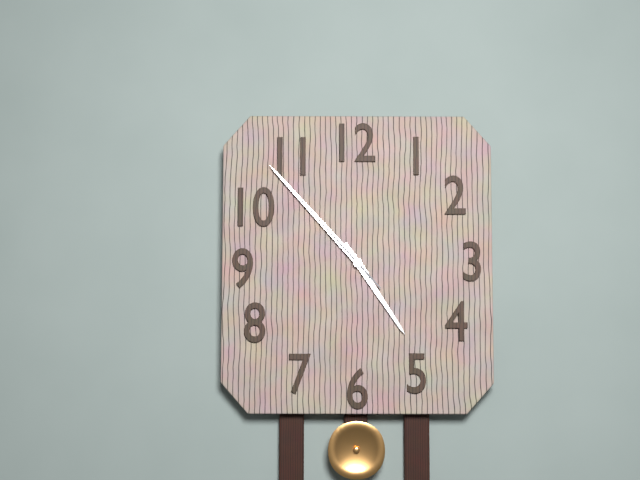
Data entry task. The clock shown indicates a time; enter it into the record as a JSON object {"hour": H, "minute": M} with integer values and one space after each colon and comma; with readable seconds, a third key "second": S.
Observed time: {"hour": 4, "minute": 53, "second": 53}
